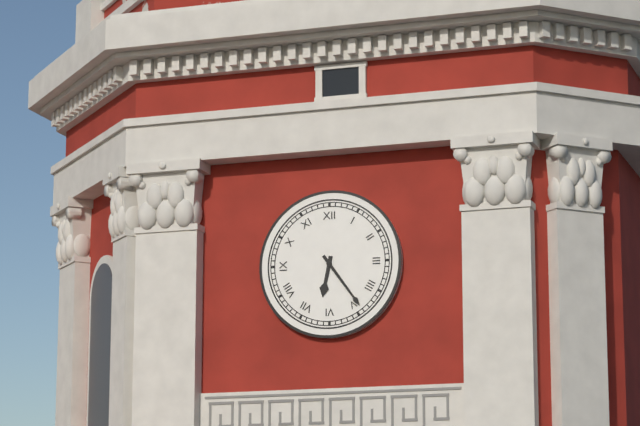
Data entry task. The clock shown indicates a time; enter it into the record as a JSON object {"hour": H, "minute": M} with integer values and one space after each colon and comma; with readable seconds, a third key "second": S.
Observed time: {"hour": 6, "minute": 24}
